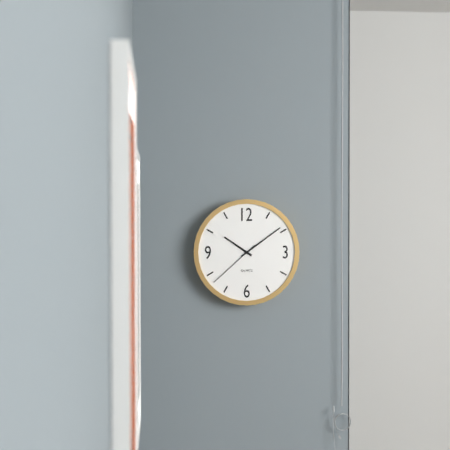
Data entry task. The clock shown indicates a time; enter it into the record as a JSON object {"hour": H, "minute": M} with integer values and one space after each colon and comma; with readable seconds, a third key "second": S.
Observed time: {"hour": 10, "minute": 9, "second": 38}
